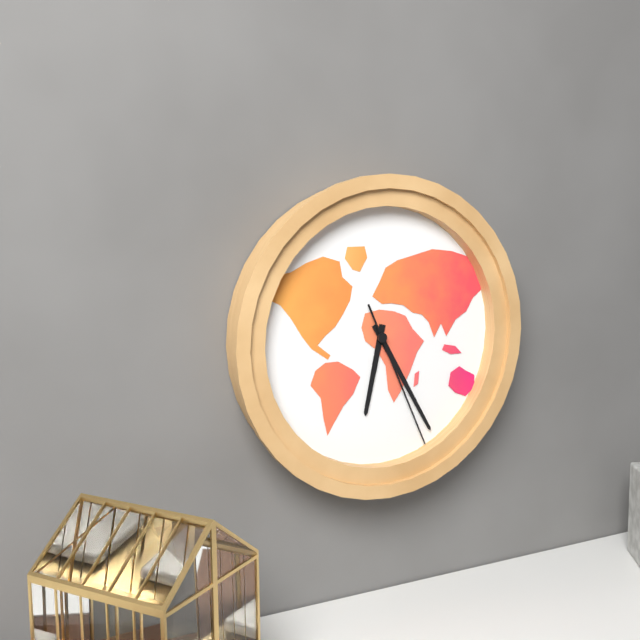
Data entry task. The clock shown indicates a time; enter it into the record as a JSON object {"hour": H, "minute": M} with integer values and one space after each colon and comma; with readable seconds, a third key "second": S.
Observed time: {"hour": 6, "minute": 25, "second": 26}
